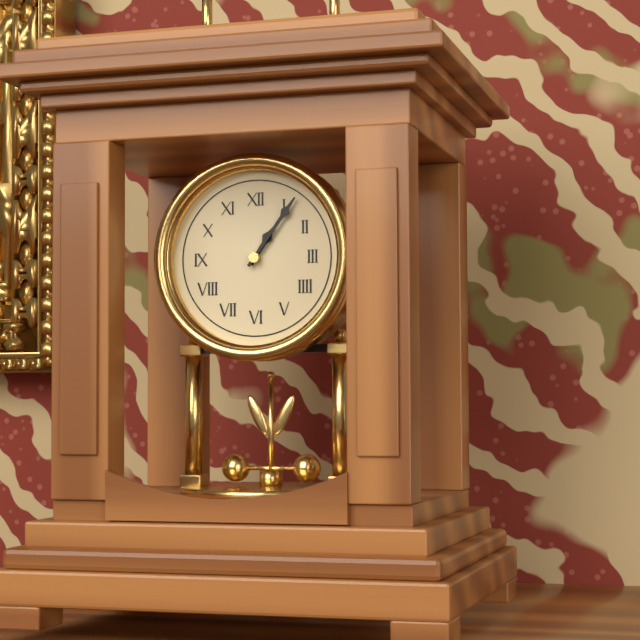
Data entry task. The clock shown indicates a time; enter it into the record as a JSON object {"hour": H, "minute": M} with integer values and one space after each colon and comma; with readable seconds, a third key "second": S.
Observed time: {"hour": 1, "minute": 6}
